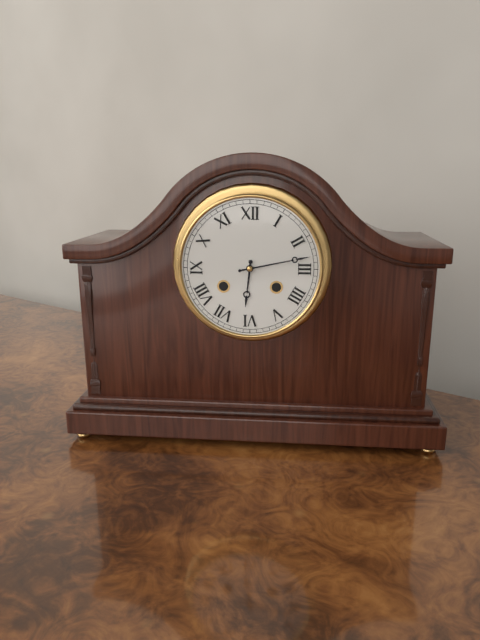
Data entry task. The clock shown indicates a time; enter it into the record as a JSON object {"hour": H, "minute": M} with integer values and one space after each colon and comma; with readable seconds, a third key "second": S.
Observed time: {"hour": 6, "minute": 13}
